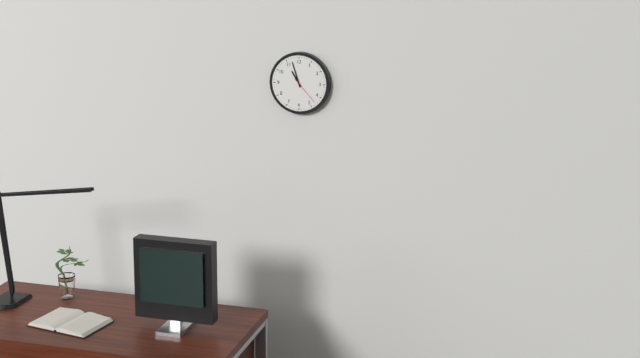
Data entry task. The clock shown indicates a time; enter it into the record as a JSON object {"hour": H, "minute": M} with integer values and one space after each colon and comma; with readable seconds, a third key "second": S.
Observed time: {"hour": 10, "minute": 57}
